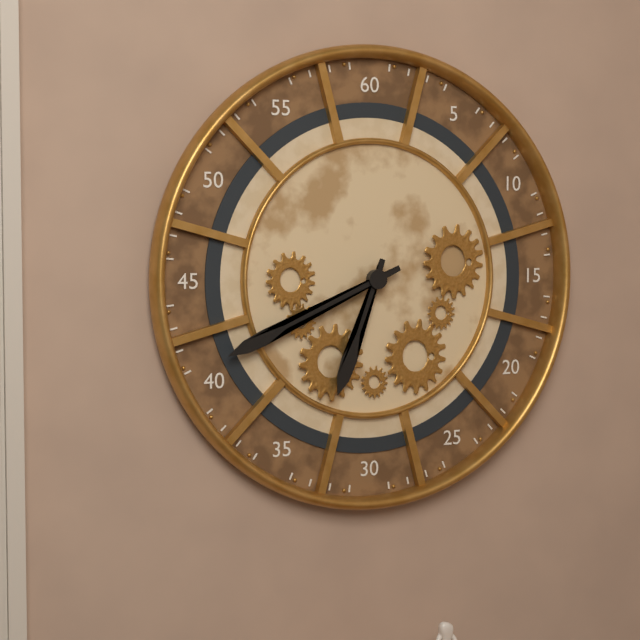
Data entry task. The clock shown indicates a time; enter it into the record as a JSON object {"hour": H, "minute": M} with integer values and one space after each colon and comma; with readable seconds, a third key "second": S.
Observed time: {"hour": 6, "minute": 41}
